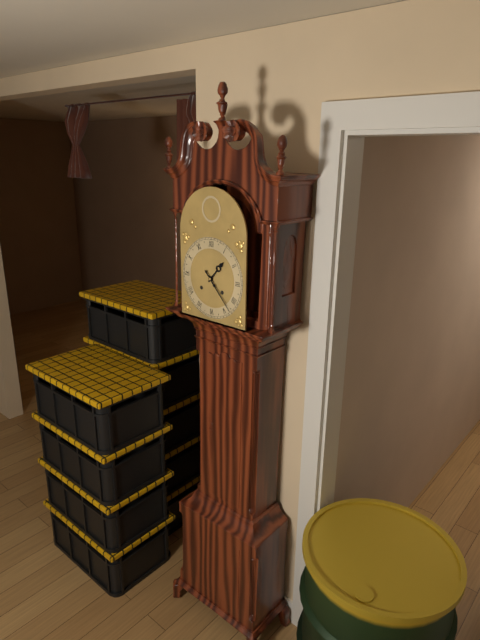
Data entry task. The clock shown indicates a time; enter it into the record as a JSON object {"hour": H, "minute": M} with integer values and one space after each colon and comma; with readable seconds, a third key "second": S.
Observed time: {"hour": 1, "minute": 23}
